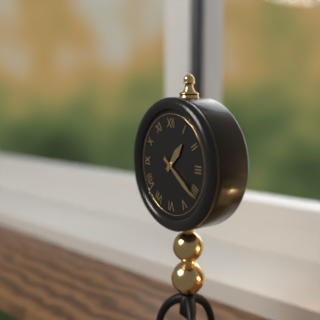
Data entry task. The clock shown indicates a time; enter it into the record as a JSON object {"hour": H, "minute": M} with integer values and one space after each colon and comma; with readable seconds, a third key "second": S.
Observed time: {"hour": 1, "minute": 21}
